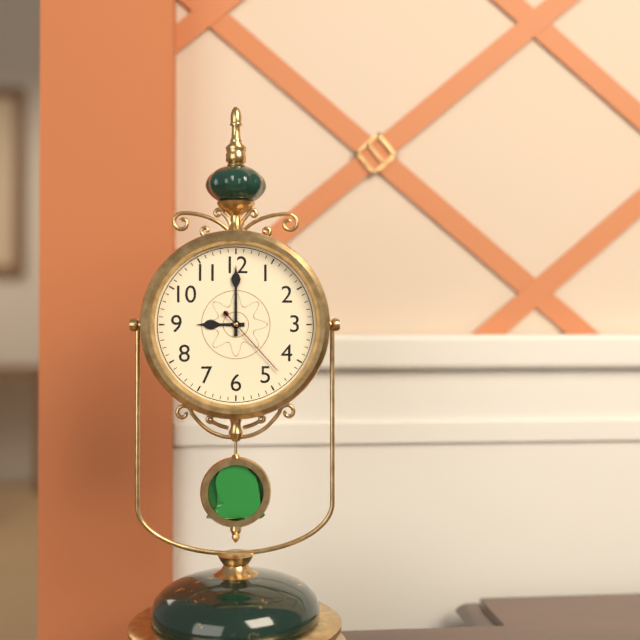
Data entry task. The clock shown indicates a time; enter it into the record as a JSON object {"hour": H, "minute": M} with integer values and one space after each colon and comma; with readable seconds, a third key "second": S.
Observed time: {"hour": 9, "minute": 0, "second": 23}
